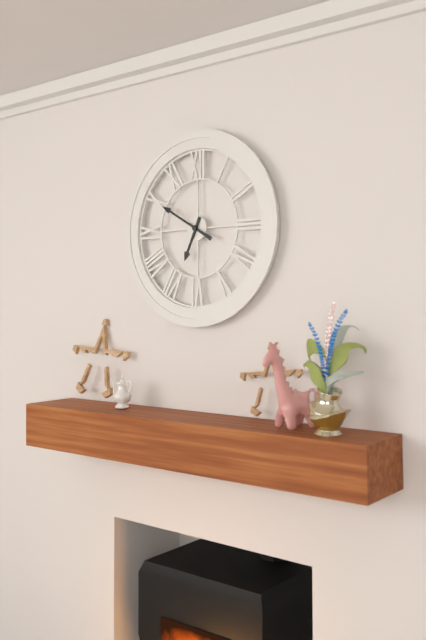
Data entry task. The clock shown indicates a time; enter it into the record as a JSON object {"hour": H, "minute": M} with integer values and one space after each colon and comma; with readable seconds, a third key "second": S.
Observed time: {"hour": 6, "minute": 50}
